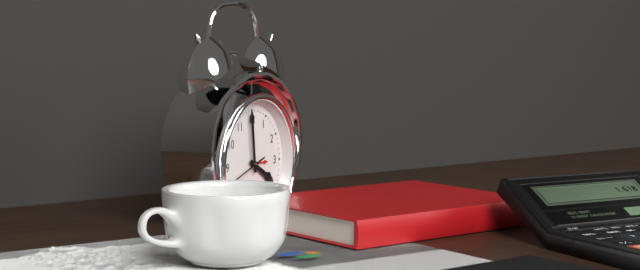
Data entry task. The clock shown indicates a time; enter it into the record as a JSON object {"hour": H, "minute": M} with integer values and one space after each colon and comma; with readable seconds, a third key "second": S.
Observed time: {"hour": 3, "minute": 59}
